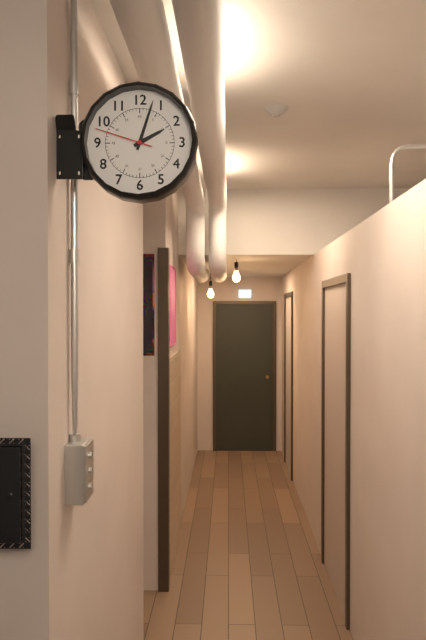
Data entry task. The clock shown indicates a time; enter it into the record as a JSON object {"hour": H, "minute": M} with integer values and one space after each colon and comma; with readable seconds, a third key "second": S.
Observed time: {"hour": 2, "minute": 3, "second": 48}
